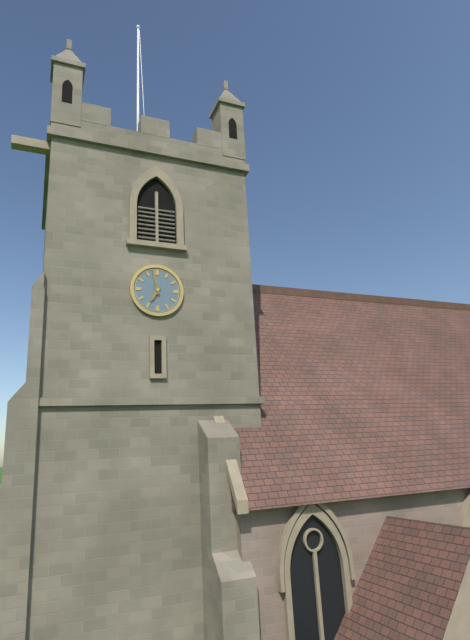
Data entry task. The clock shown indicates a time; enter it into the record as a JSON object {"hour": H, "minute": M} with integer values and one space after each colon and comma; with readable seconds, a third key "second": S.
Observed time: {"hour": 6, "minute": 58}
